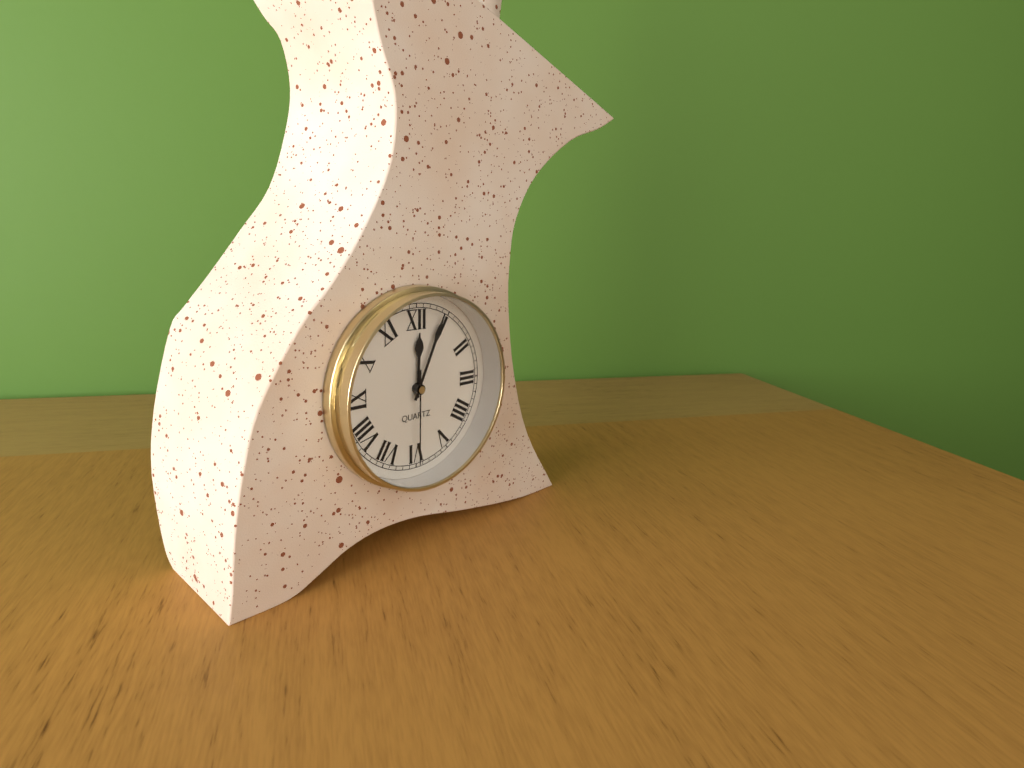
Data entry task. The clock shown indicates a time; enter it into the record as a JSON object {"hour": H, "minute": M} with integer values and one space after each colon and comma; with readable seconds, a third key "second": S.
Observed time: {"hour": 12, "minute": 4, "second": 30}
